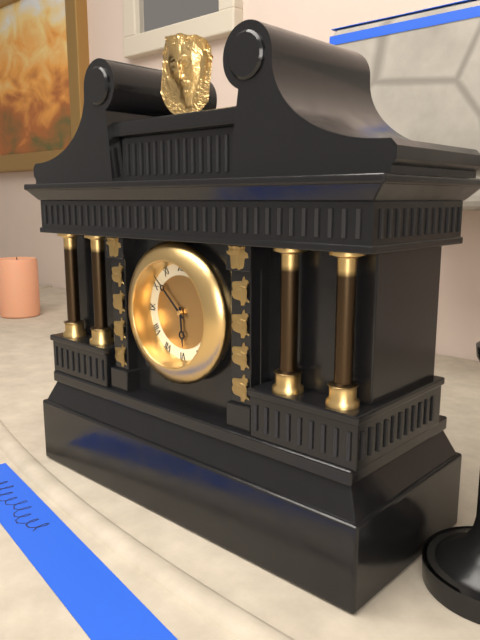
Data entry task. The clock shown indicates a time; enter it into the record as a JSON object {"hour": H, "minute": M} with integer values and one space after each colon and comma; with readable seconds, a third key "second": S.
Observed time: {"hour": 5, "minute": 52}
